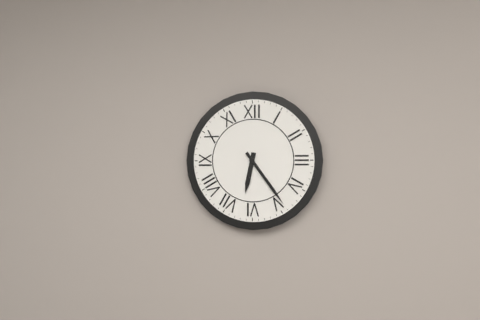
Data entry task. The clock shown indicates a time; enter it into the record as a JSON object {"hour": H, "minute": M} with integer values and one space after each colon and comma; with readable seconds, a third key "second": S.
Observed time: {"hour": 6, "minute": 24}
